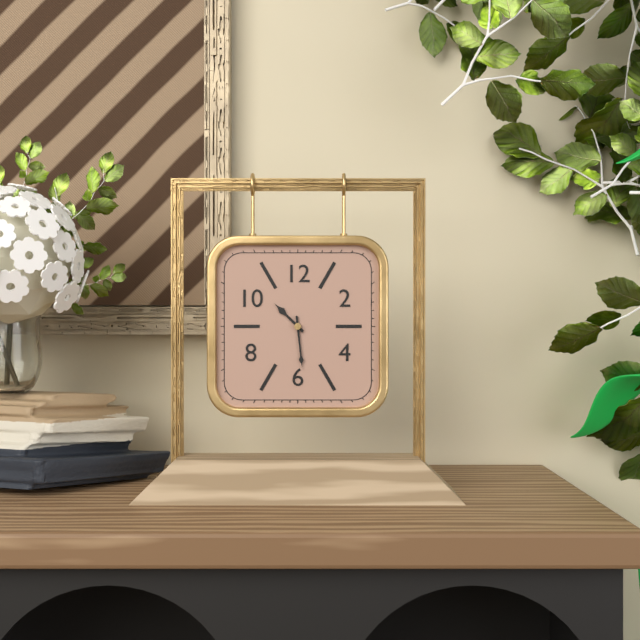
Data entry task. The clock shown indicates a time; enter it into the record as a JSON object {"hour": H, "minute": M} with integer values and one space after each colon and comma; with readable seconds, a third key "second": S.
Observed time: {"hour": 10, "minute": 29}
